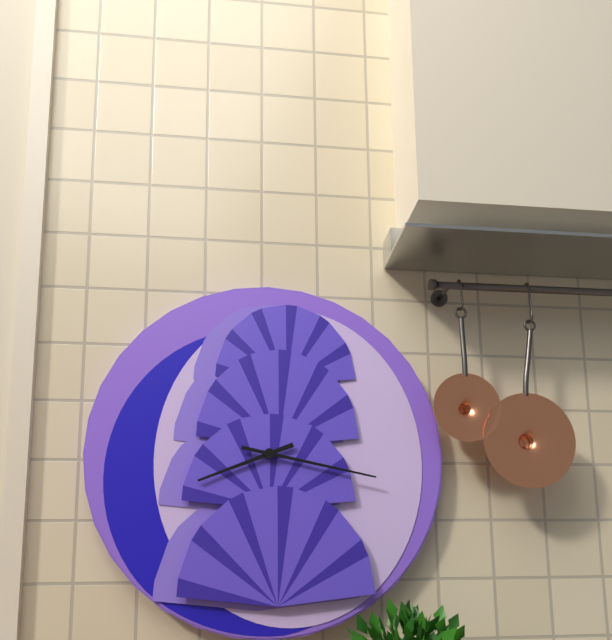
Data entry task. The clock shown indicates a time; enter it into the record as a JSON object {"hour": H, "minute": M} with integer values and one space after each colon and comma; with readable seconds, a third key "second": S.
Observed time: {"hour": 8, "minute": 17}
